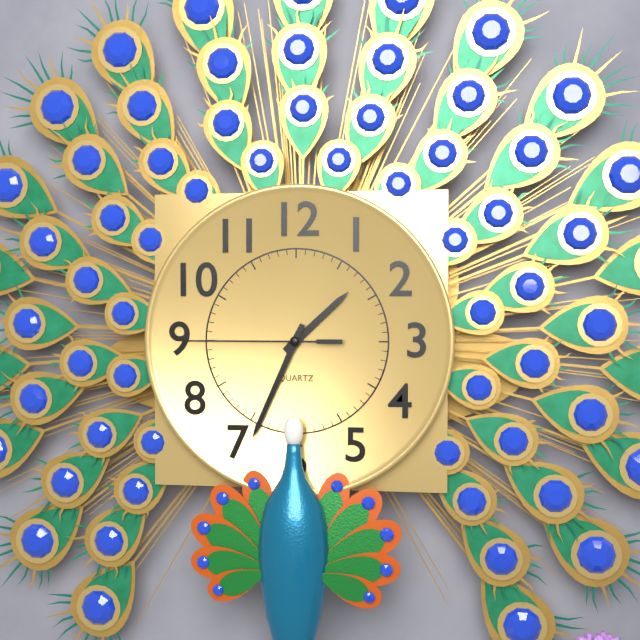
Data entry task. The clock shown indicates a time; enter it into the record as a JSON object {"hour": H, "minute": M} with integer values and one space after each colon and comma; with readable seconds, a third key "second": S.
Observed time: {"hour": 1, "minute": 34, "second": 45}
